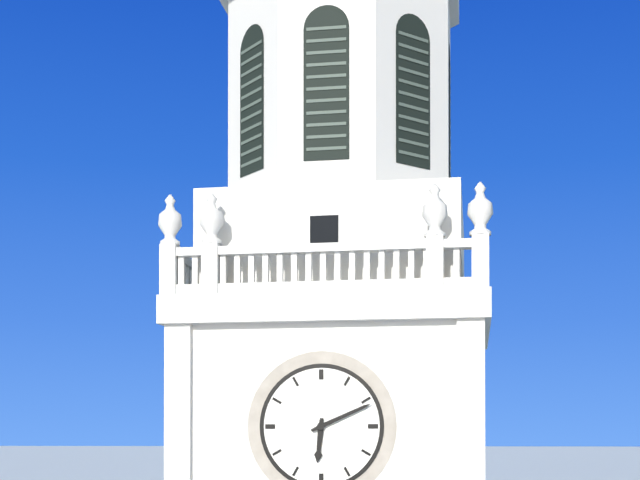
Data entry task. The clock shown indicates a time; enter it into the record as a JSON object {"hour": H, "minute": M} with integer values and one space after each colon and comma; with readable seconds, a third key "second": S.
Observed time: {"hour": 6, "minute": 11}
